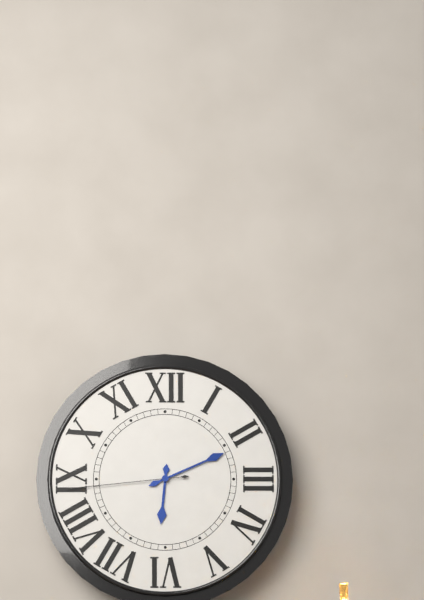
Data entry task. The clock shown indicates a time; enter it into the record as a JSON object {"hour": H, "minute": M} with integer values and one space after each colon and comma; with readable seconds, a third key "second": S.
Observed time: {"hour": 6, "minute": 11, "second": 44}
